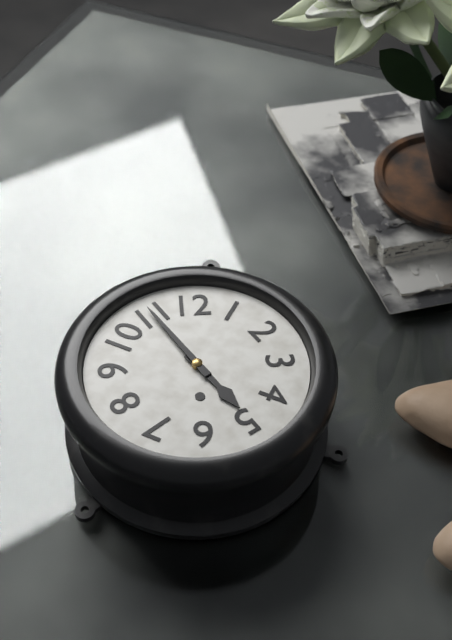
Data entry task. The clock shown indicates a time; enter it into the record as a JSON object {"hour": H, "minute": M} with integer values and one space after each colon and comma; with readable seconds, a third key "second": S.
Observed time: {"hour": 4, "minute": 55}
